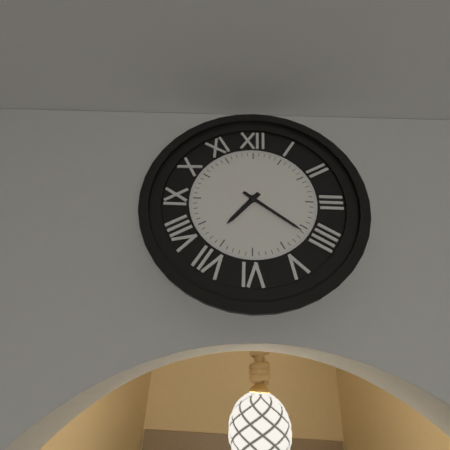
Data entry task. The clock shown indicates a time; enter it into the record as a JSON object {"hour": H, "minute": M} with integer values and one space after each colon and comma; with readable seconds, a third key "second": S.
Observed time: {"hour": 7, "minute": 21}
